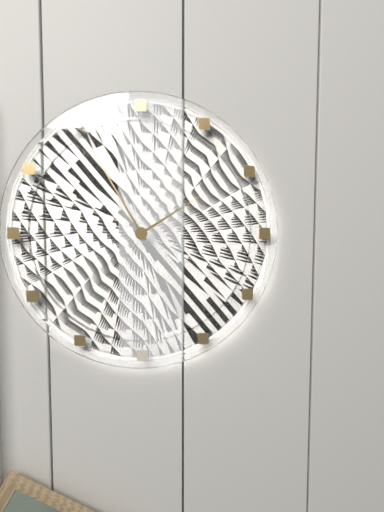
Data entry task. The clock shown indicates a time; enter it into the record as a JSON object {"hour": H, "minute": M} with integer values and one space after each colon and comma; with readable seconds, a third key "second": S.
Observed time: {"hour": 1, "minute": 55}
